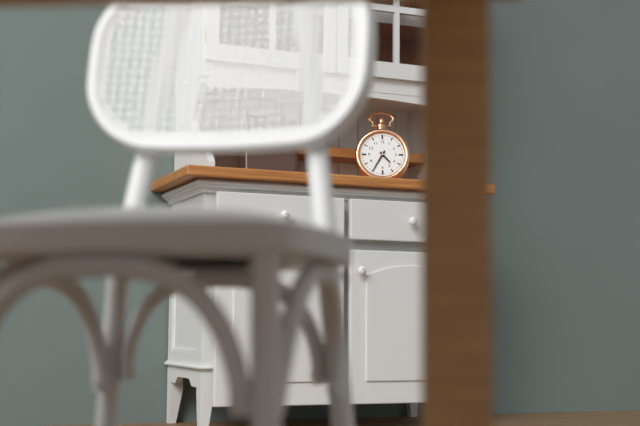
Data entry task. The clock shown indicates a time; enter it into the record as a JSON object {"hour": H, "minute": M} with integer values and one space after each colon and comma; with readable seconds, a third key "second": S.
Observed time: {"hour": 4, "minute": 35}
